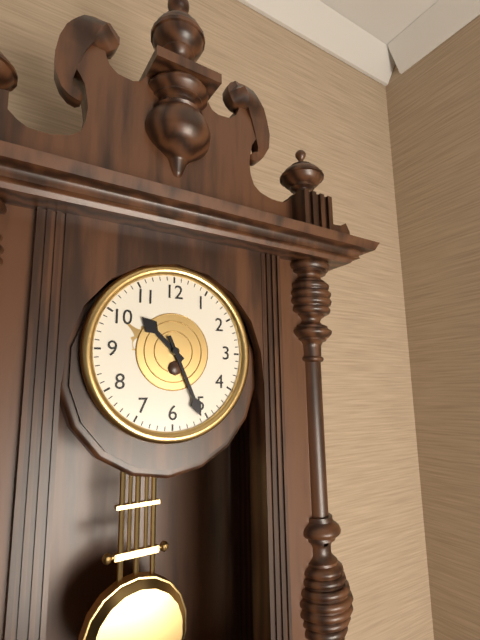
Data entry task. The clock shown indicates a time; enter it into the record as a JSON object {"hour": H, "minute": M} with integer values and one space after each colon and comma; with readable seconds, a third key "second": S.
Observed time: {"hour": 10, "minute": 26}
